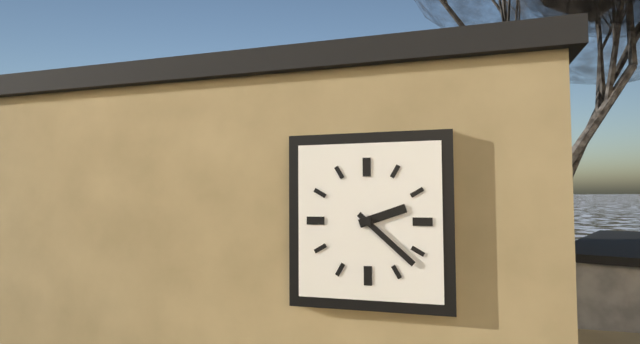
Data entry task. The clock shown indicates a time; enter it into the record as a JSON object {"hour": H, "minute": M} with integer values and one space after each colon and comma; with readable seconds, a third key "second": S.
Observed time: {"hour": 2, "minute": 22}
